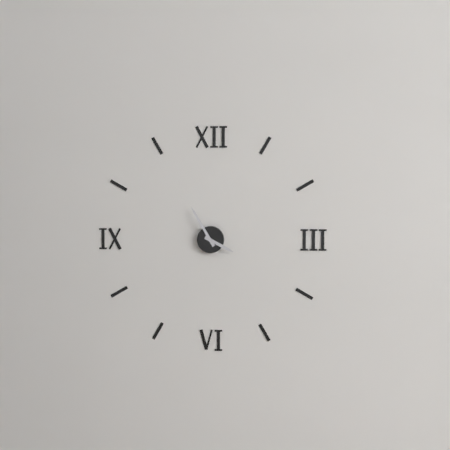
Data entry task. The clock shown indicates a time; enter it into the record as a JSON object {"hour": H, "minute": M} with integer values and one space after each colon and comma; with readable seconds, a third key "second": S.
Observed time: {"hour": 3, "minute": 55}
